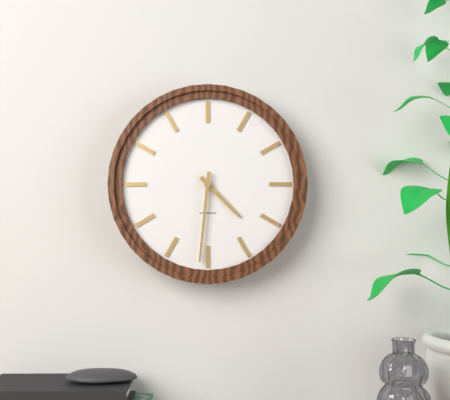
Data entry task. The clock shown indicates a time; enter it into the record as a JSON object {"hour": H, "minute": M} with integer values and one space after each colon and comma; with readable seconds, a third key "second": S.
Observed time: {"hour": 4, "minute": 31}
